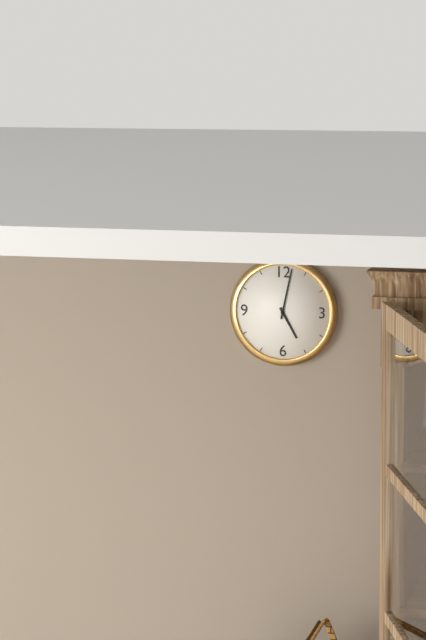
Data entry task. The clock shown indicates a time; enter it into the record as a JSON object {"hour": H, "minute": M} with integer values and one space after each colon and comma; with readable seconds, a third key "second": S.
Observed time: {"hour": 5, "minute": 2}
